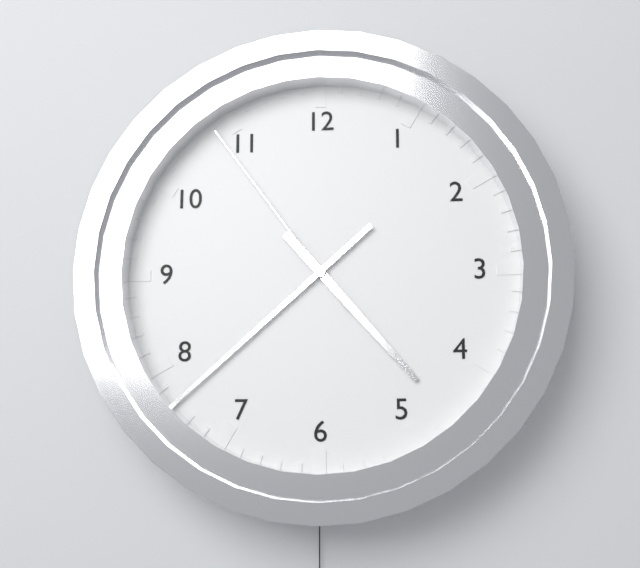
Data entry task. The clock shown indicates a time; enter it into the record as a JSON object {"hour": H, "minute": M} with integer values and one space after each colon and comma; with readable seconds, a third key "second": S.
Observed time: {"hour": 4, "minute": 38, "second": 54}
